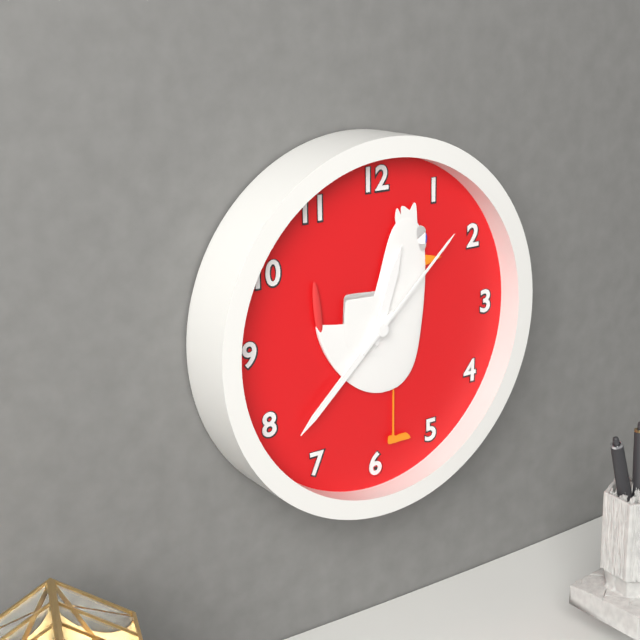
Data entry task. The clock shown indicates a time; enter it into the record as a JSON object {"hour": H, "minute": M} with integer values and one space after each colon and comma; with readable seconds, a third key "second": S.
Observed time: {"hour": 12, "minute": 38, "second": 8}
